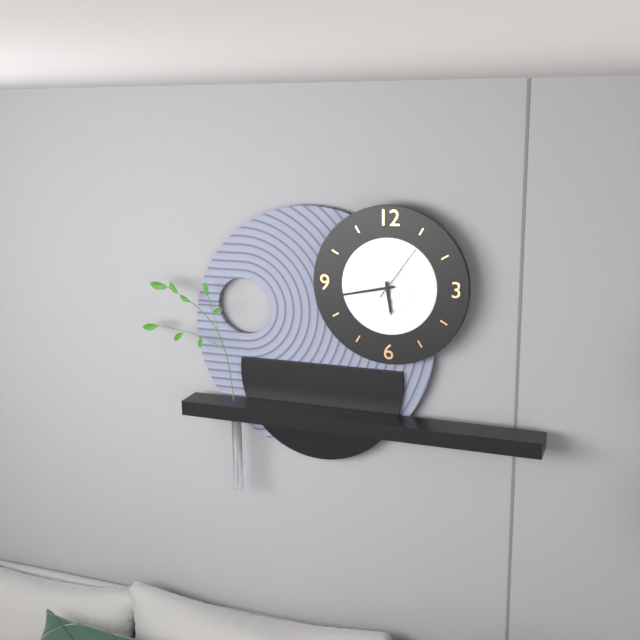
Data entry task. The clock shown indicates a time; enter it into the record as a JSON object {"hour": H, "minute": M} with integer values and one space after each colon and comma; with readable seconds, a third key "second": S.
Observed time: {"hour": 5, "minute": 43, "second": 6}
